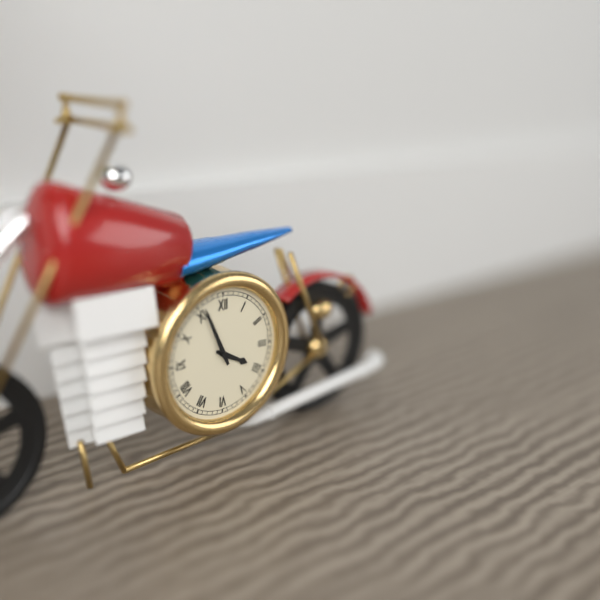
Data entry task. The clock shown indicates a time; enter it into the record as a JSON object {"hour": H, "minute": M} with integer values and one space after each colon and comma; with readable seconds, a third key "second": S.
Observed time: {"hour": 3, "minute": 56}
